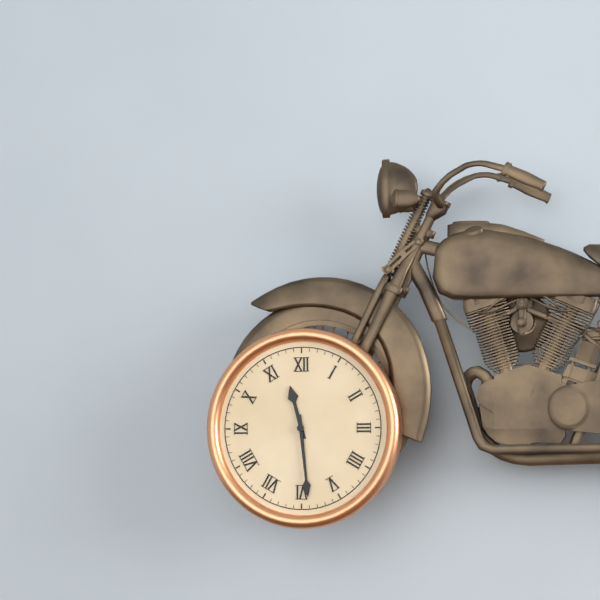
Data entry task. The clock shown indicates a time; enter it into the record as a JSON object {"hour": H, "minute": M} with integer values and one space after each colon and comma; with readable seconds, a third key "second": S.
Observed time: {"hour": 11, "minute": 29}
